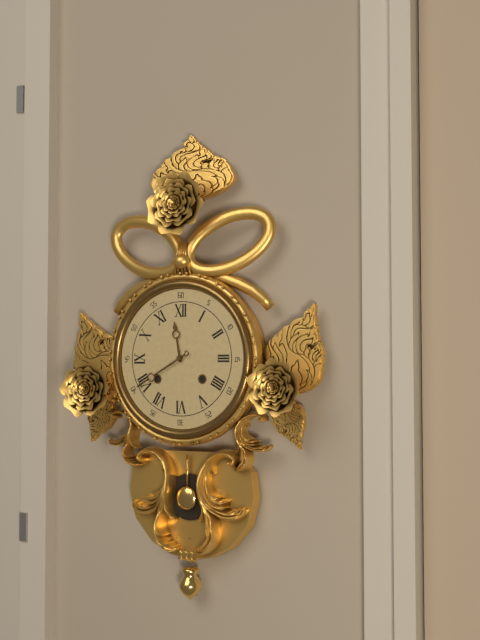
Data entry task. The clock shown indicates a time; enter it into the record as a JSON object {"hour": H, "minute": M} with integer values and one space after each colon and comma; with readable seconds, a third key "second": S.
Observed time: {"hour": 11, "minute": 40}
